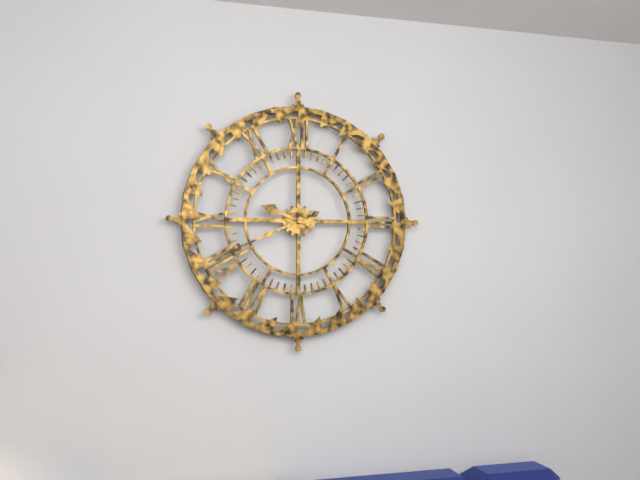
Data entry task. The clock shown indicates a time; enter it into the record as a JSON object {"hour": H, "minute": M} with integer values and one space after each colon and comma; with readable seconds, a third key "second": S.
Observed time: {"hour": 9, "minute": 41}
